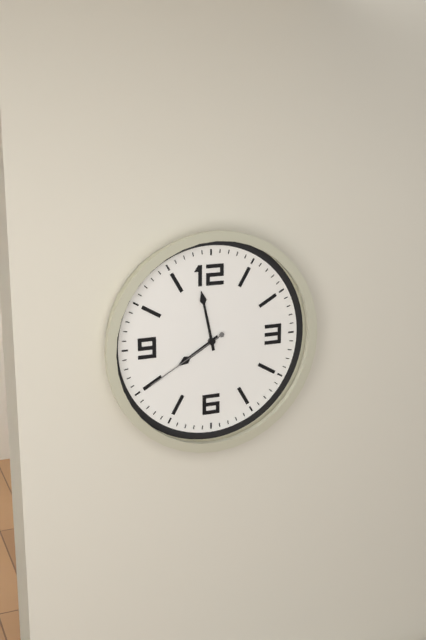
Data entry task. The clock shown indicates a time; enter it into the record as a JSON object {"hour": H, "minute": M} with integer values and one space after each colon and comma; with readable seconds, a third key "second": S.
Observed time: {"hour": 7, "minute": 58, "second": 40}
